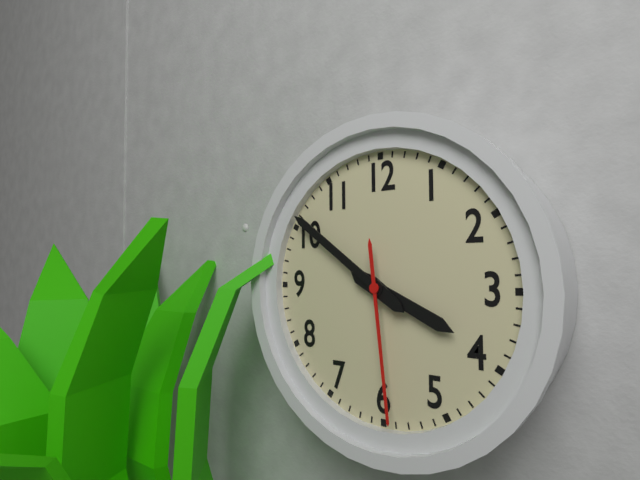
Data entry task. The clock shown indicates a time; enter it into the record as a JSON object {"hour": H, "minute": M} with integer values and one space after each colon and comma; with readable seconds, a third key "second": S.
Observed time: {"hour": 3, "minute": 51, "second": 29}
